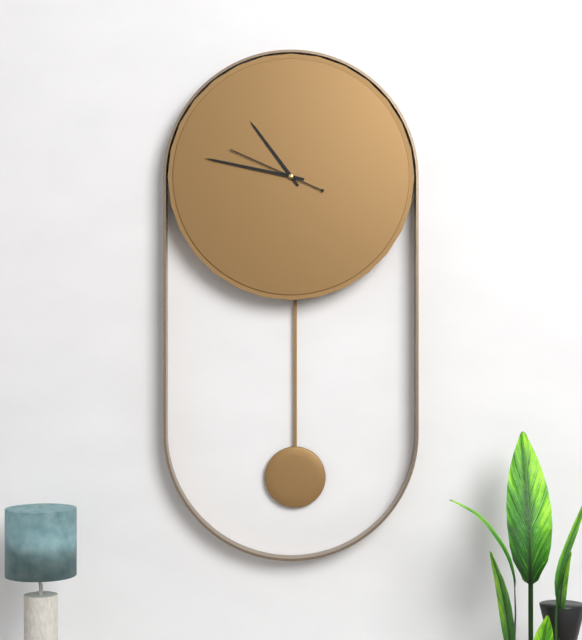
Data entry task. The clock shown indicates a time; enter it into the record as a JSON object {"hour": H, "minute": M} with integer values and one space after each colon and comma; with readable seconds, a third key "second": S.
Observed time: {"hour": 10, "minute": 47, "second": 49}
